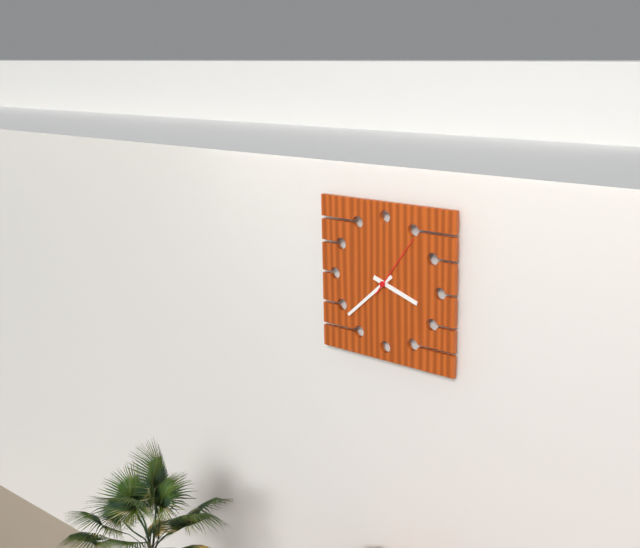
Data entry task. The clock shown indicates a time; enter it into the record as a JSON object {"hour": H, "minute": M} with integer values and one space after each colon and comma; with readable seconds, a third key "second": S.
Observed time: {"hour": 3, "minute": 38, "second": 6}
